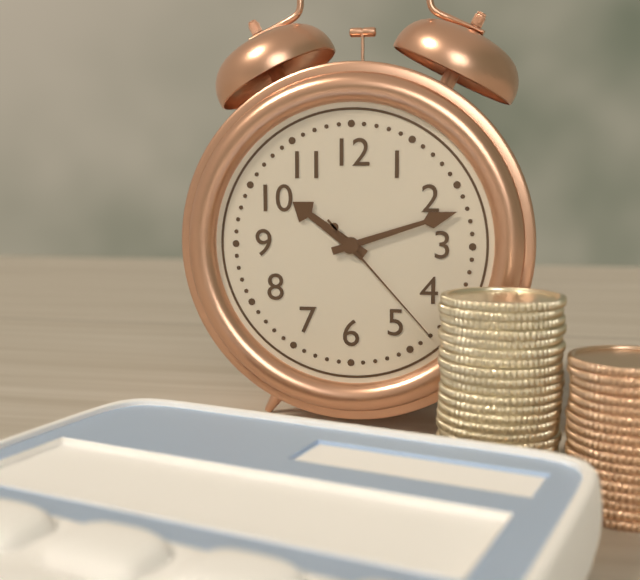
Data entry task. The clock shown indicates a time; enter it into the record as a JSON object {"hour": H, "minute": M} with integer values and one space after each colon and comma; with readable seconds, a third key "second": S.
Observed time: {"hour": 10, "minute": 12, "second": 23}
